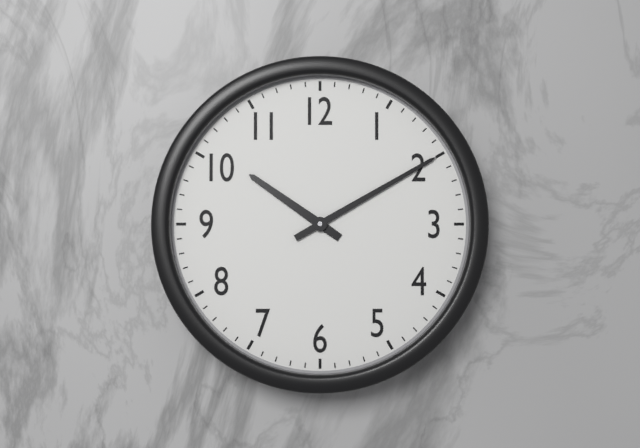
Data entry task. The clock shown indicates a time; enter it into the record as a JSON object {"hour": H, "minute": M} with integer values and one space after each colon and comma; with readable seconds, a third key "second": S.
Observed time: {"hour": 10, "minute": 10}
